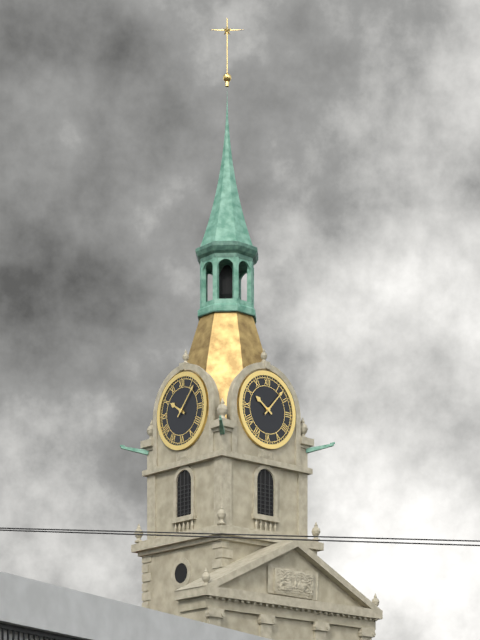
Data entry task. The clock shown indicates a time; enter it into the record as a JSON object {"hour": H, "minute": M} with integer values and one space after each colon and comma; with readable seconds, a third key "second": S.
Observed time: {"hour": 10, "minute": 7}
